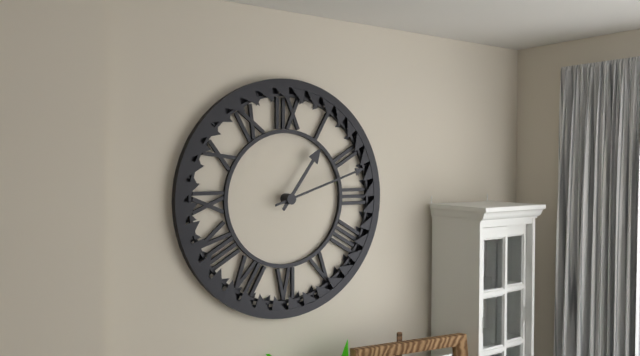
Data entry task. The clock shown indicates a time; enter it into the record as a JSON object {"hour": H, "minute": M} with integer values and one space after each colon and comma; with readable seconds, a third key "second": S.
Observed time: {"hour": 1, "minute": 12}
